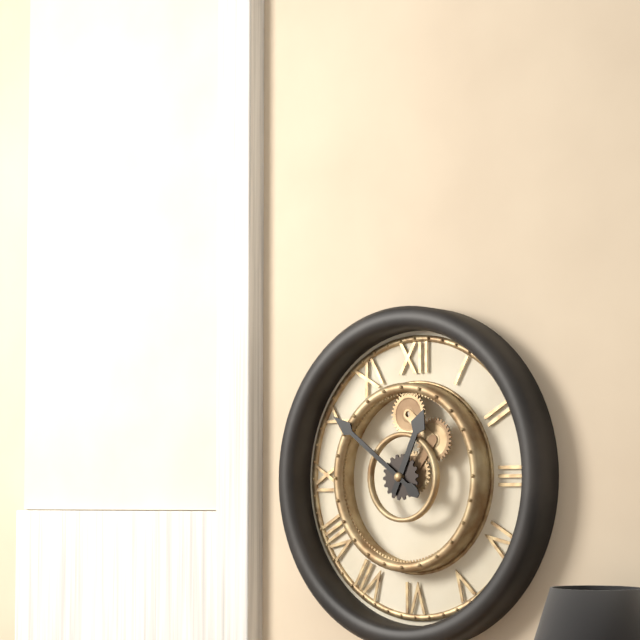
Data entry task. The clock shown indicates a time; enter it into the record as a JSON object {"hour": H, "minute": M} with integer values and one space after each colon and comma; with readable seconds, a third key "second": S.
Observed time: {"hour": 12, "minute": 51}
